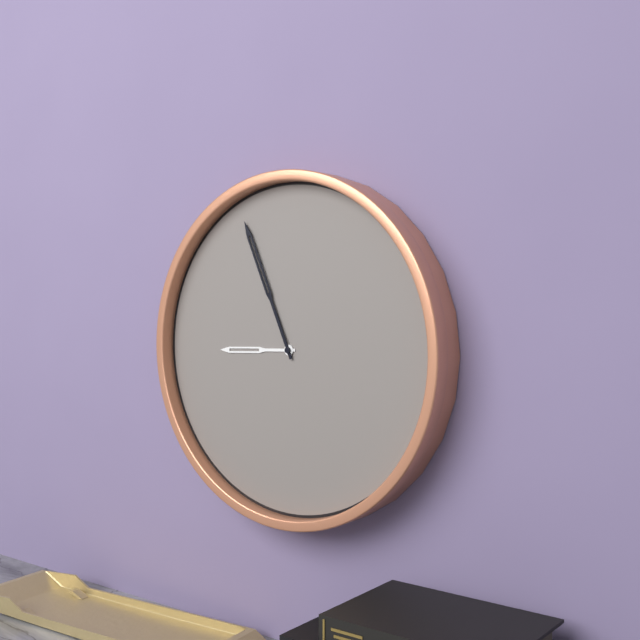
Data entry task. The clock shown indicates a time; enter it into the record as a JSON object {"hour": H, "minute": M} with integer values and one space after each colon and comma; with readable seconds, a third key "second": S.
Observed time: {"hour": 8, "minute": 56}
